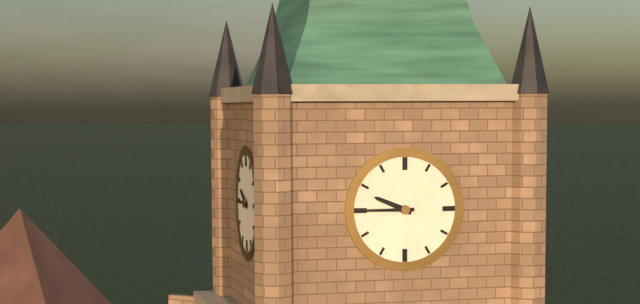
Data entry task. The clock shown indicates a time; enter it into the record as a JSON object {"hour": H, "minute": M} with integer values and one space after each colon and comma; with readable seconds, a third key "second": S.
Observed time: {"hour": 9, "minute": 45}
